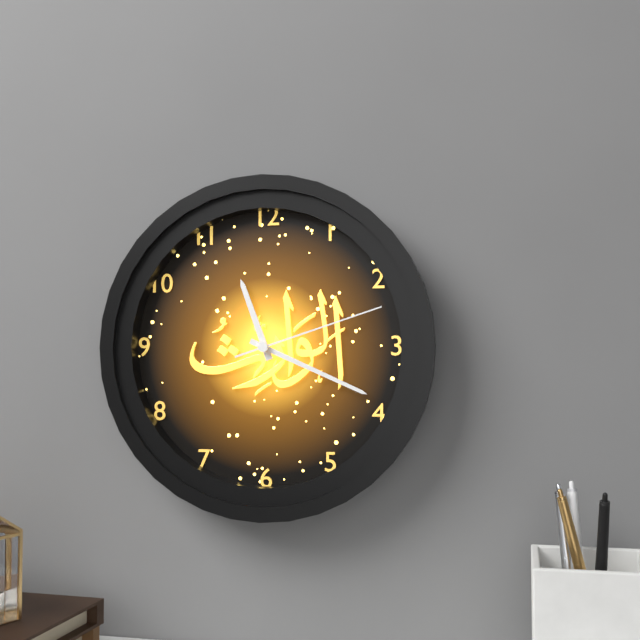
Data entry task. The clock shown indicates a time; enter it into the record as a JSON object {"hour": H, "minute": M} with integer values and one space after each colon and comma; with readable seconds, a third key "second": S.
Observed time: {"hour": 11, "minute": 19, "second": 12}
